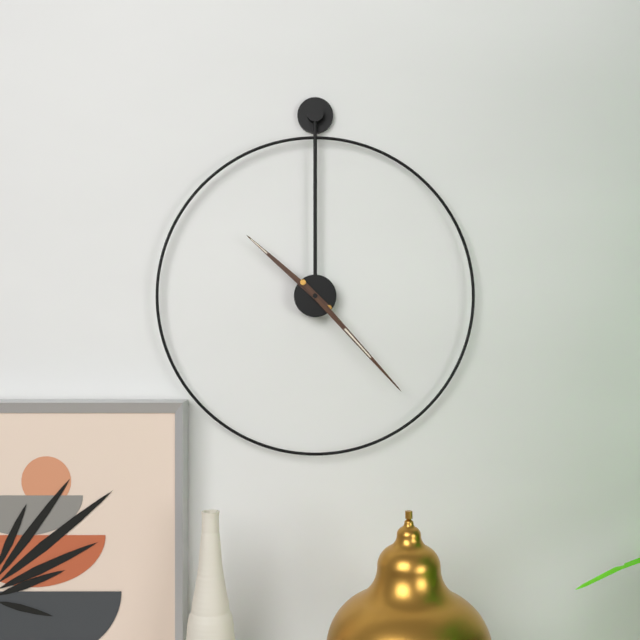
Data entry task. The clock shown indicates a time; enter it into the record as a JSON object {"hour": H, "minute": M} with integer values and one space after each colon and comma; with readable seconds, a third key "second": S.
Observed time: {"hour": 10, "minute": 23}
